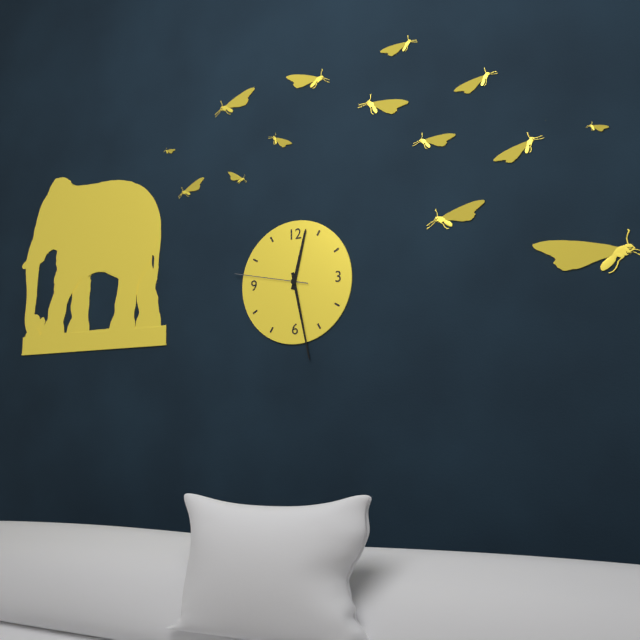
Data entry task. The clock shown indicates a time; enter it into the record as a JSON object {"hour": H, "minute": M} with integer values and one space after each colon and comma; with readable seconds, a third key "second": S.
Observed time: {"hour": 12, "minute": 28, "second": 47}
